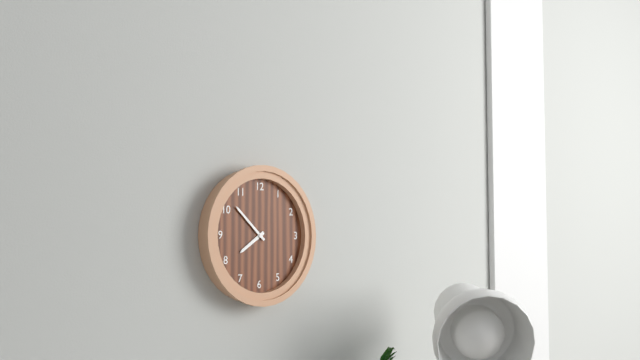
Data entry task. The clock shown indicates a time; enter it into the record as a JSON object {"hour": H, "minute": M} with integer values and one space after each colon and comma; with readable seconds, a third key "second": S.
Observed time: {"hour": 7, "minute": 52}
